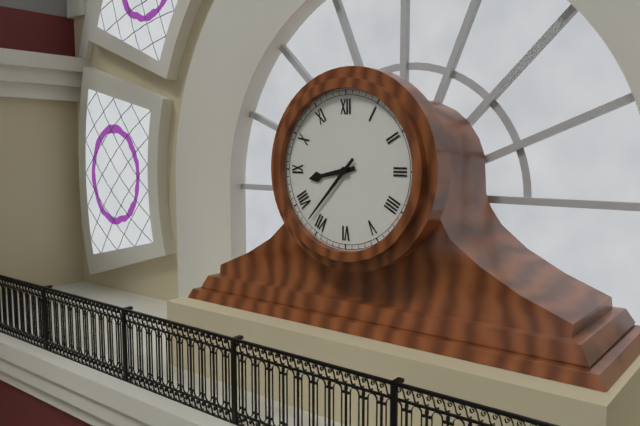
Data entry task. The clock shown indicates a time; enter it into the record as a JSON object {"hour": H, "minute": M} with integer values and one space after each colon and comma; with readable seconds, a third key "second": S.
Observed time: {"hour": 8, "minute": 37}
